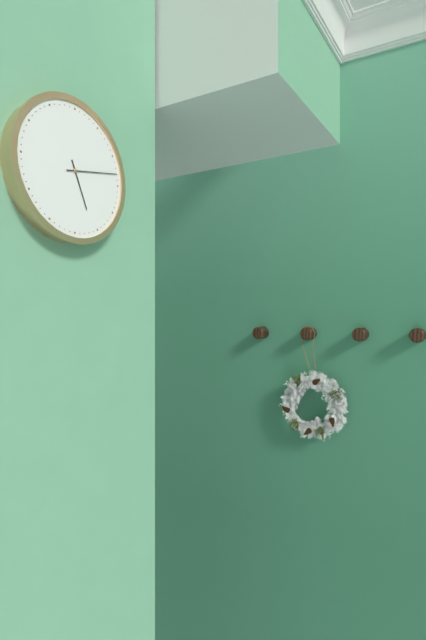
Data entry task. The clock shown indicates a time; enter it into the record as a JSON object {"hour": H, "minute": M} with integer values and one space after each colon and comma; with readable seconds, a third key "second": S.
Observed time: {"hour": 5, "minute": 13}
